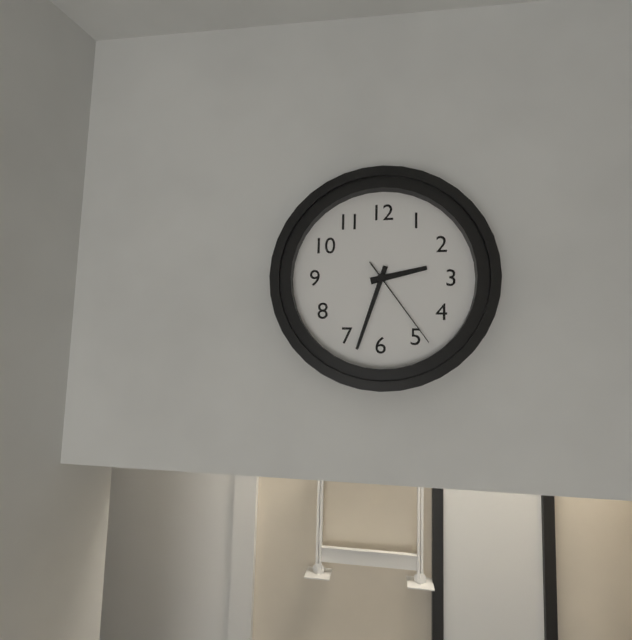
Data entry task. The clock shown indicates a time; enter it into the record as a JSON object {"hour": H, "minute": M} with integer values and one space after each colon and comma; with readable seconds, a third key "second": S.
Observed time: {"hour": 2, "minute": 33, "second": 24}
